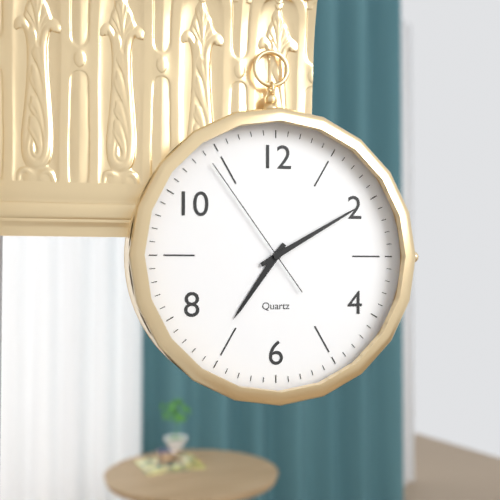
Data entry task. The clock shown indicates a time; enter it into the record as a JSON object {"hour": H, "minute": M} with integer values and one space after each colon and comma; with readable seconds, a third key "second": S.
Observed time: {"hour": 7, "minute": 10, "second": 54}
